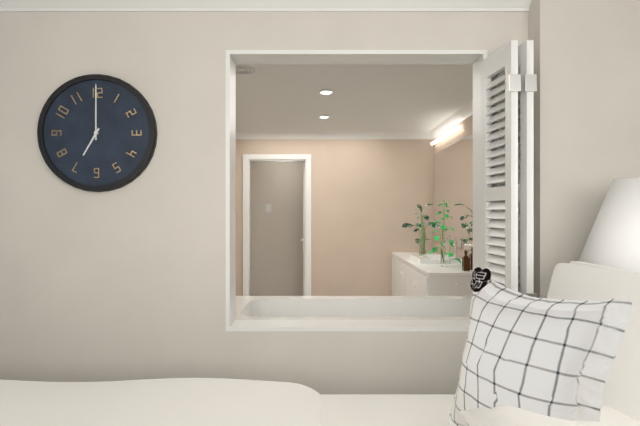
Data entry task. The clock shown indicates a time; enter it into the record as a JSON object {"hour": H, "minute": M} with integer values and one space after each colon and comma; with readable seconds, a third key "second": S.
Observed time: {"hour": 7, "minute": 0}
